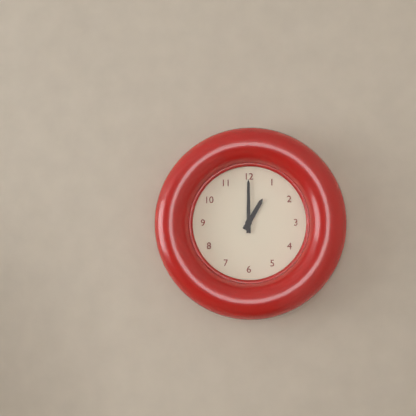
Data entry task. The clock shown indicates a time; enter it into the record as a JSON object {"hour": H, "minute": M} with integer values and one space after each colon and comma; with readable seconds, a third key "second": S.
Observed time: {"hour": 1, "minute": 0}
